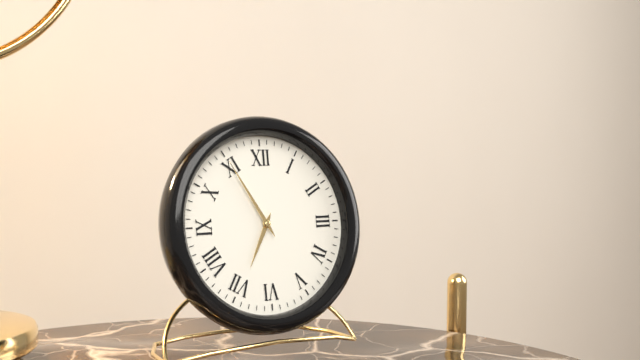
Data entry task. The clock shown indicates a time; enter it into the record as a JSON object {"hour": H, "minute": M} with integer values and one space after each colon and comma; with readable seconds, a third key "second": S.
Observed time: {"hour": 6, "minute": 55}
